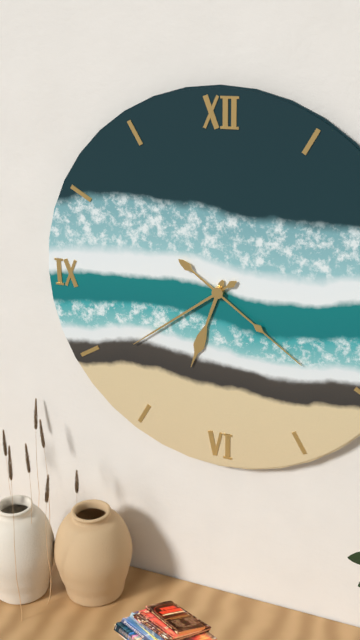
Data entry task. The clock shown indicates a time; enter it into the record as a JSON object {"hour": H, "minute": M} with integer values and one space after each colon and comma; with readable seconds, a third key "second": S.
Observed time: {"hour": 6, "minute": 39, "second": 21}
